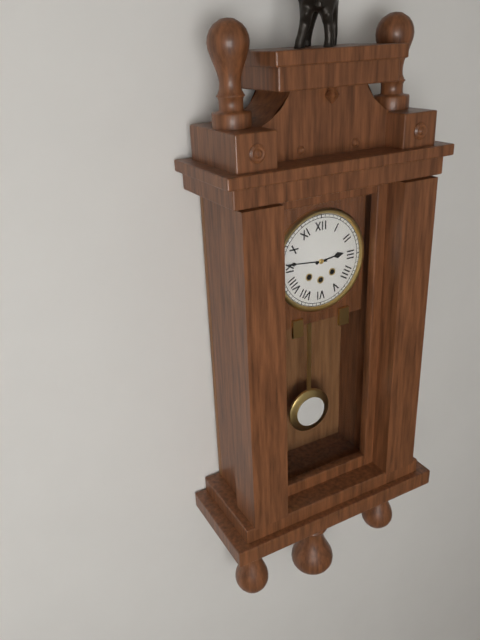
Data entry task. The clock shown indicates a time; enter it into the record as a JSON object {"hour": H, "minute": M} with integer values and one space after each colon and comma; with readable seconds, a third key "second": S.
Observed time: {"hour": 2, "minute": 46}
